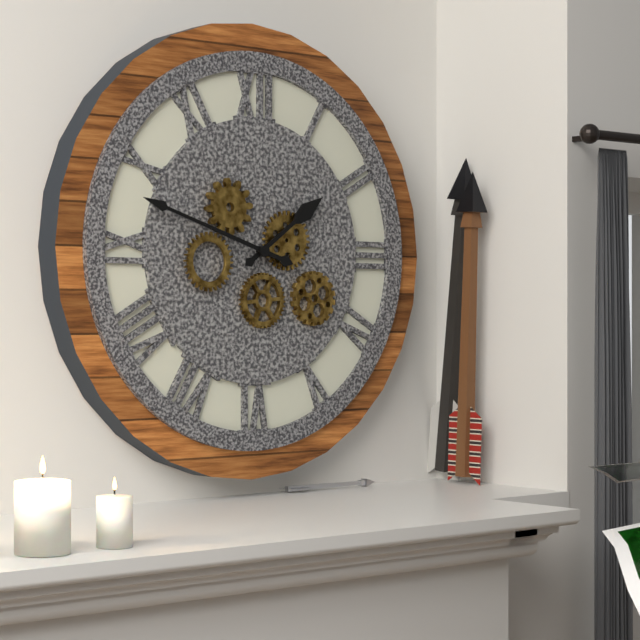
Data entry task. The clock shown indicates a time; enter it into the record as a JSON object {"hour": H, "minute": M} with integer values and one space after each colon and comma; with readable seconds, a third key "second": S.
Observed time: {"hour": 1, "minute": 48}
